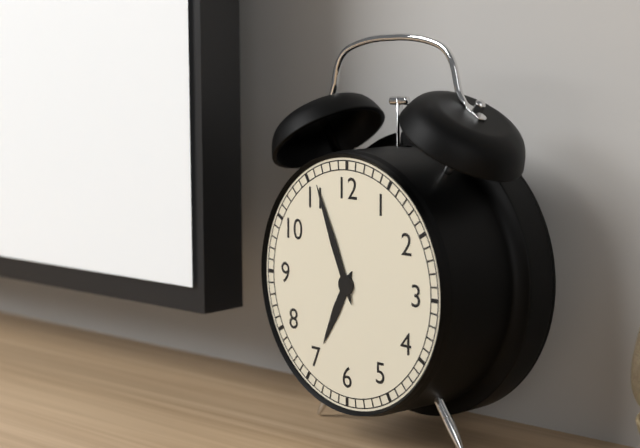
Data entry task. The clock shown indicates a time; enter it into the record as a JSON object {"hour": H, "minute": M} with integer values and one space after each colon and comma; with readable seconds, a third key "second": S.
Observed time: {"hour": 6, "minute": 56}
